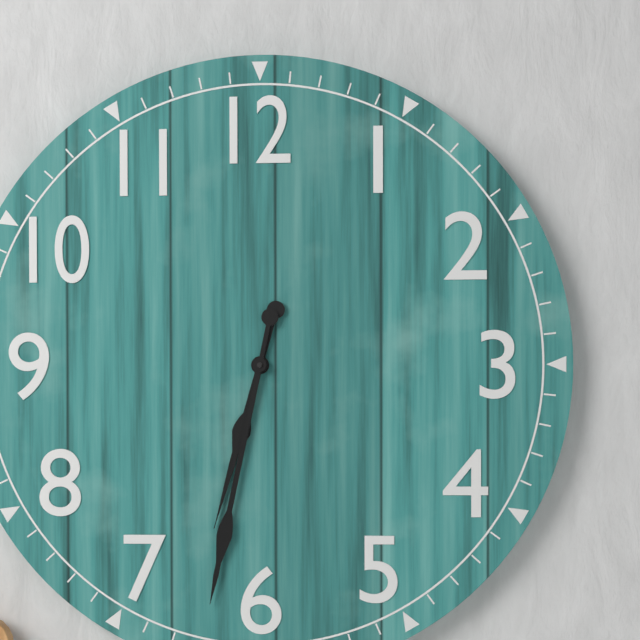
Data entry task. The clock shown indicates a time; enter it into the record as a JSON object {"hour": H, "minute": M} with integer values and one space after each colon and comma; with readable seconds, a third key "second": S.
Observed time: {"hour": 6, "minute": 32}
